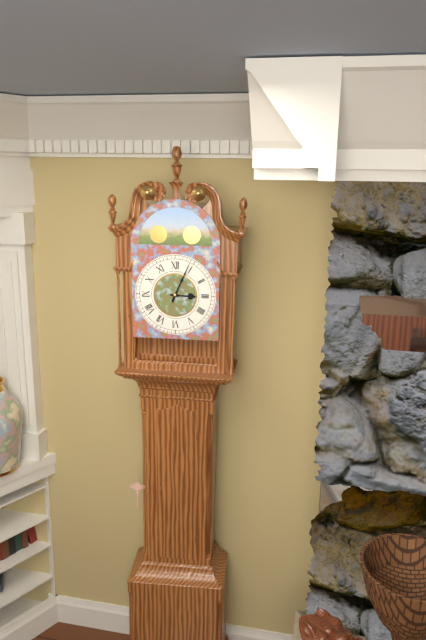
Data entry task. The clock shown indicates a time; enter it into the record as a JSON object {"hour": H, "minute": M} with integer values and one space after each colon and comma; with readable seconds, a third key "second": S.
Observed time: {"hour": 3, "minute": 4}
